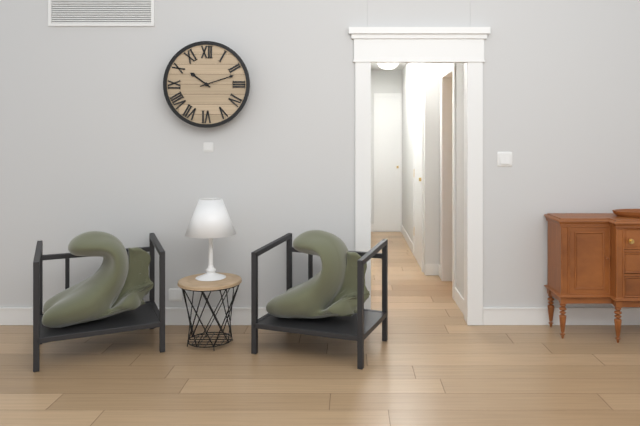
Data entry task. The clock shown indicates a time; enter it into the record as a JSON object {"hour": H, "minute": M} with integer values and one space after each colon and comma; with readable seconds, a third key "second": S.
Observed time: {"hour": 10, "minute": 12}
